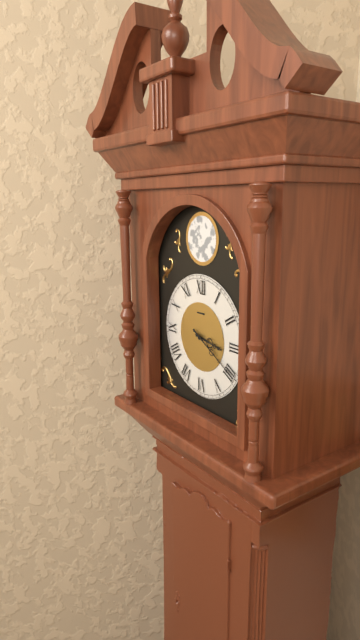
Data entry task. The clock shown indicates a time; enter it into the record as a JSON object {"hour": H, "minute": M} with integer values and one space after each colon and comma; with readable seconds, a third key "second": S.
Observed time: {"hour": 3, "minute": 20}
